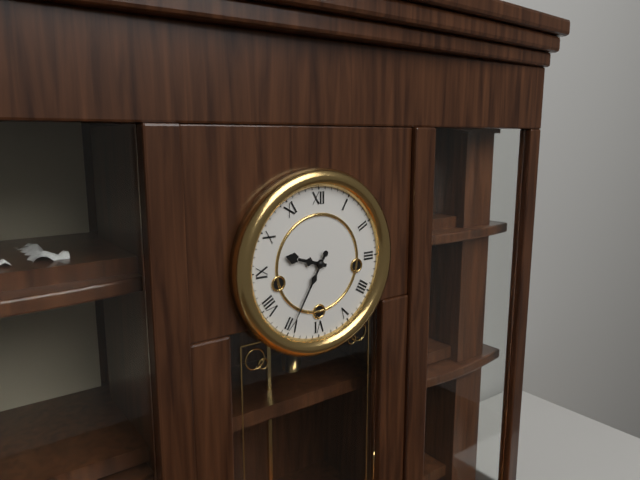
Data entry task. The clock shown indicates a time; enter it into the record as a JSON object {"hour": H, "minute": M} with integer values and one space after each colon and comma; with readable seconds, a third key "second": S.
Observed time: {"hour": 9, "minute": 35}
